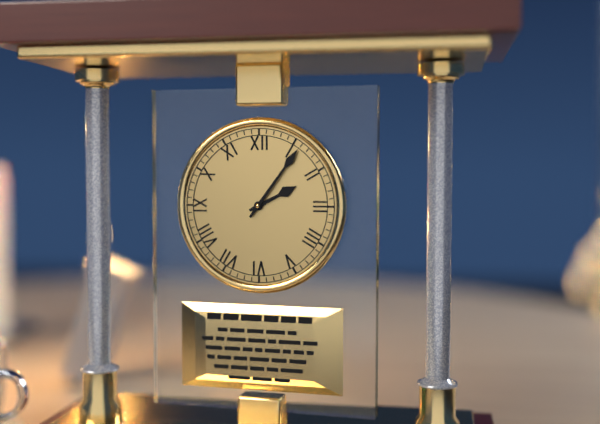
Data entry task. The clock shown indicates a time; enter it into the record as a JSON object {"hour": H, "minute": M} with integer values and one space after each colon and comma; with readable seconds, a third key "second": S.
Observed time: {"hour": 2, "minute": 6}
